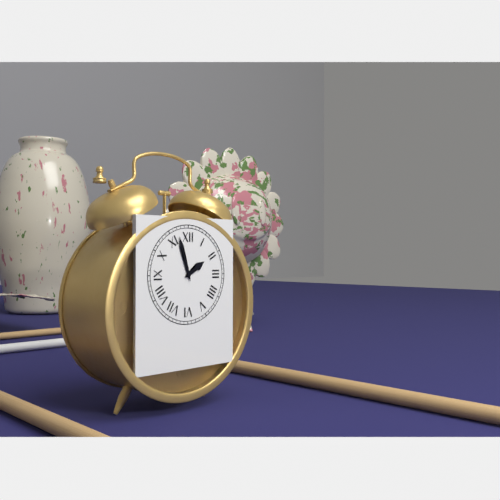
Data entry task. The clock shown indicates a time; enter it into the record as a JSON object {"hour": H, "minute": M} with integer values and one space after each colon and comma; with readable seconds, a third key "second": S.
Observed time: {"hour": 1, "minute": 57}
